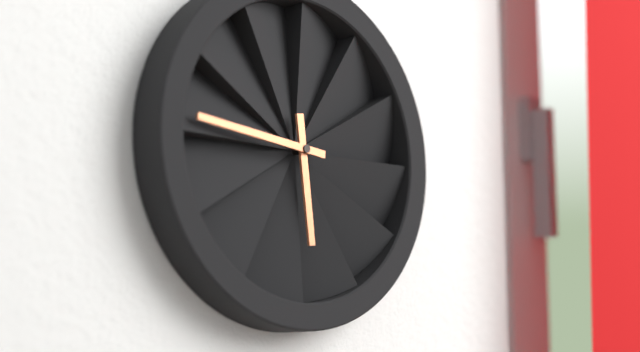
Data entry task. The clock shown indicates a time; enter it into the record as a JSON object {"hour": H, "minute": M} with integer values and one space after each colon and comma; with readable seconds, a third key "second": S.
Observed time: {"hour": 5, "minute": 46}
